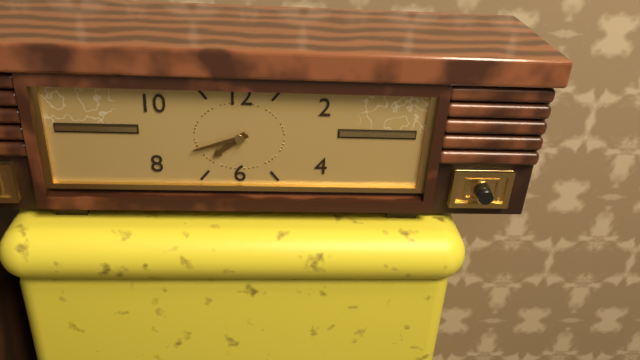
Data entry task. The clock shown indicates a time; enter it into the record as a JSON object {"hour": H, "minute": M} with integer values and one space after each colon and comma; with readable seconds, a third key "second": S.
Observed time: {"hour": 7, "minute": 42}
